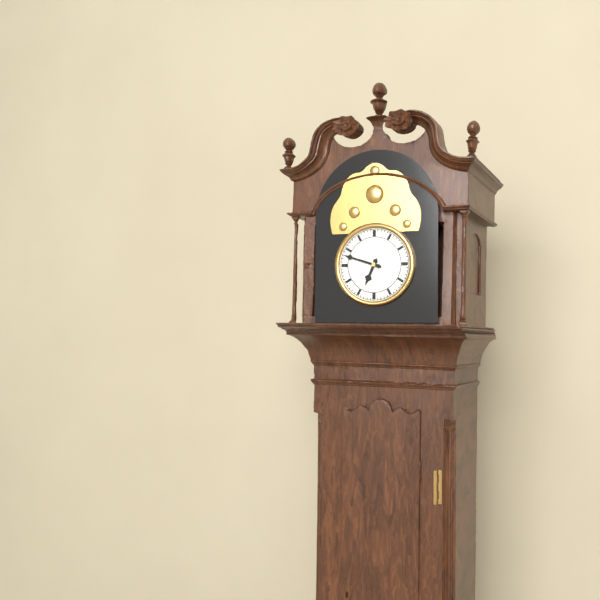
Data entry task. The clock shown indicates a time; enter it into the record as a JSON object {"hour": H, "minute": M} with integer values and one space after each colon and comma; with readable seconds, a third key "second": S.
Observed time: {"hour": 6, "minute": 48}
